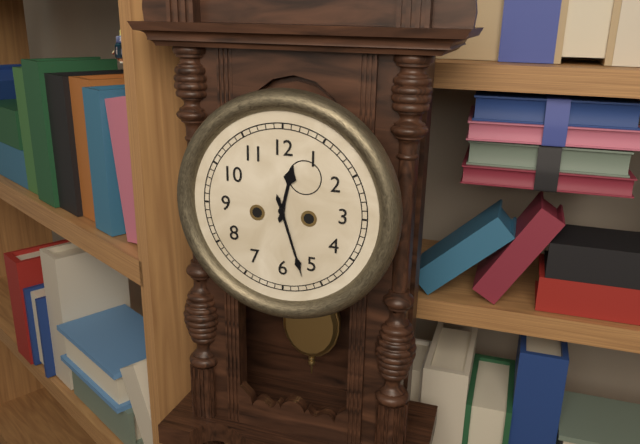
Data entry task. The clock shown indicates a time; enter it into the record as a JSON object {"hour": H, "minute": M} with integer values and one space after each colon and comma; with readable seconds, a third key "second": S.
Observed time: {"hour": 12, "minute": 27}
